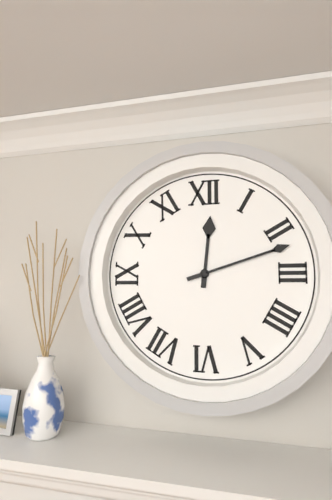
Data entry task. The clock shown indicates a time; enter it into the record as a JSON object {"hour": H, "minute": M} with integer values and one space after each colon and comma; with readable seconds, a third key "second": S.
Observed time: {"hour": 12, "minute": 12}
